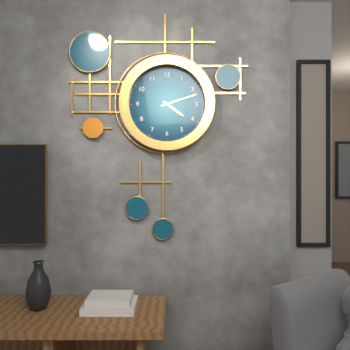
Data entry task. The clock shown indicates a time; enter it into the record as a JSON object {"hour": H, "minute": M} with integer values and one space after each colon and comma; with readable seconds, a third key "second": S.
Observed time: {"hour": 4, "minute": 12}
